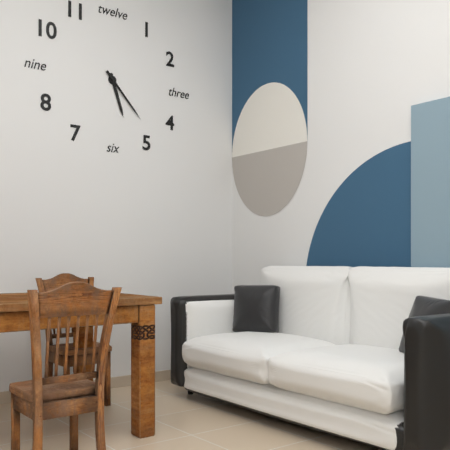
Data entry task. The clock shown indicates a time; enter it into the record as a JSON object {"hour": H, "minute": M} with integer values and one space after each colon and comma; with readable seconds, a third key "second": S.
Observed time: {"hour": 5, "minute": 23}
